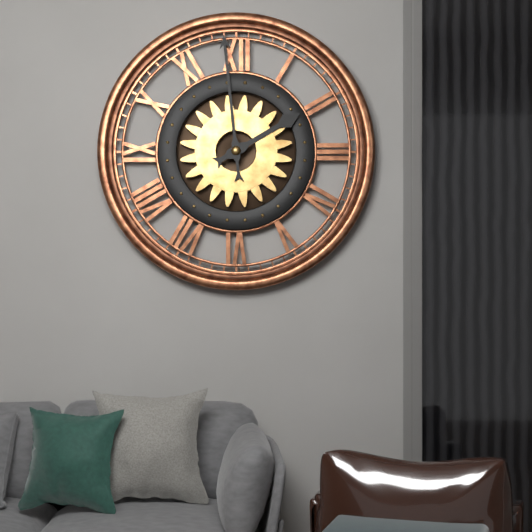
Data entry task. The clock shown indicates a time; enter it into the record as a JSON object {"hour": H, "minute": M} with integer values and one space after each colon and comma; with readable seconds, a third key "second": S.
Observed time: {"hour": 1, "minute": 59}
